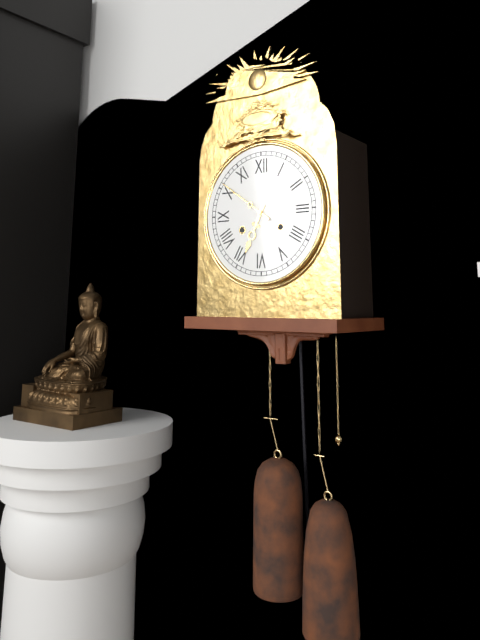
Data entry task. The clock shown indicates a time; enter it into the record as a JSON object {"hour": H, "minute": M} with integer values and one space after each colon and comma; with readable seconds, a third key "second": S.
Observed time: {"hour": 6, "minute": 51}
